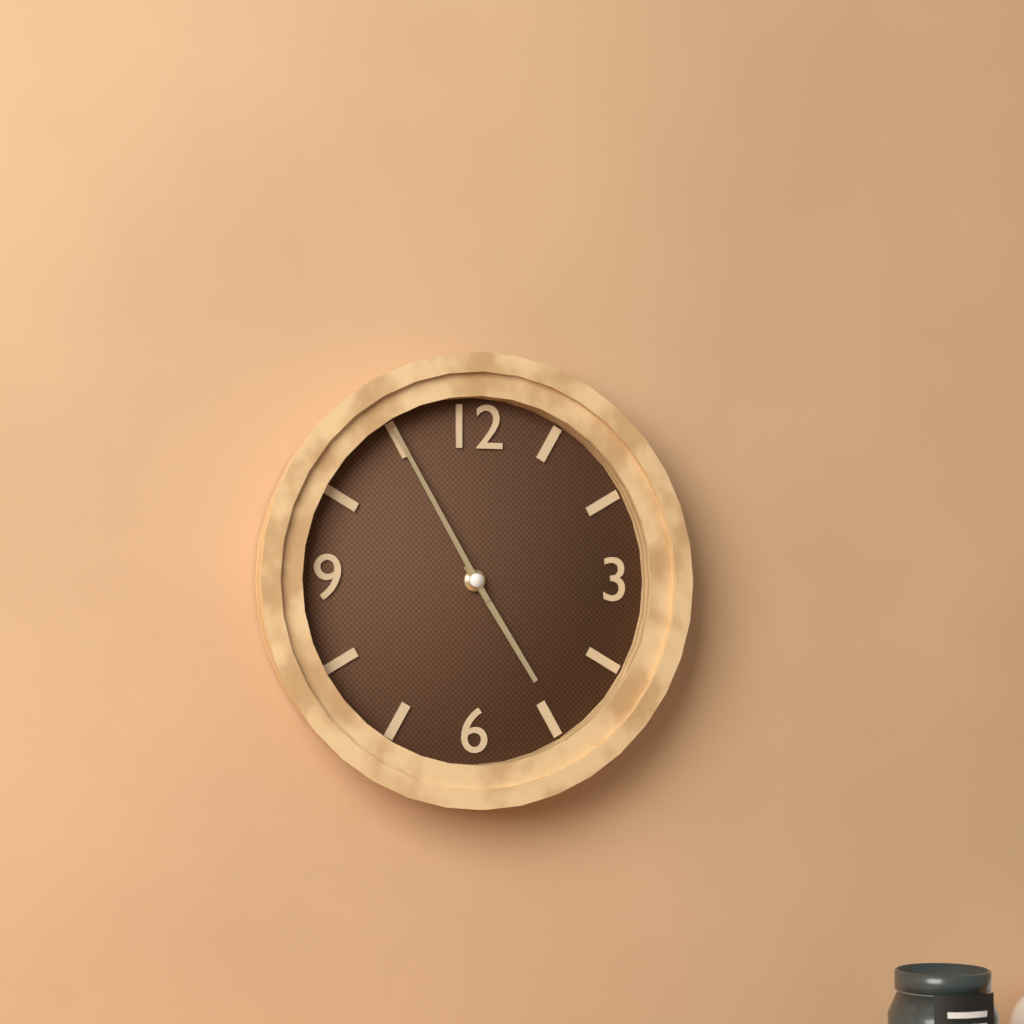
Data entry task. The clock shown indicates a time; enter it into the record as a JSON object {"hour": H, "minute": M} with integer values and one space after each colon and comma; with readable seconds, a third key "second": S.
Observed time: {"hour": 4, "minute": 55}
